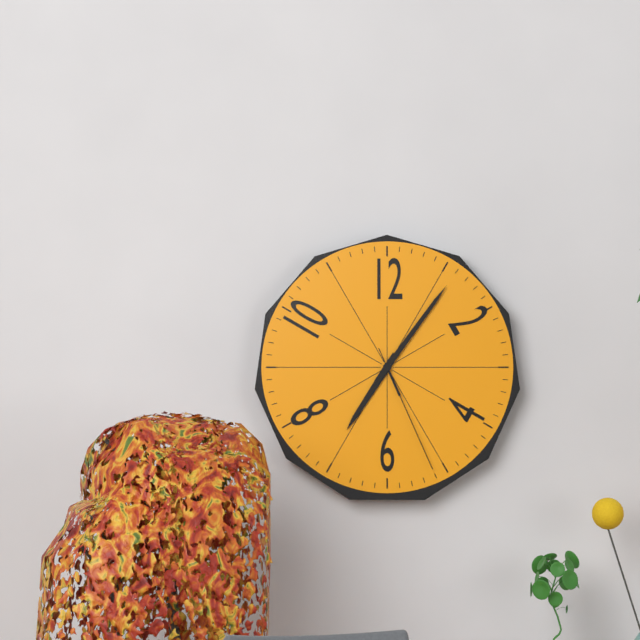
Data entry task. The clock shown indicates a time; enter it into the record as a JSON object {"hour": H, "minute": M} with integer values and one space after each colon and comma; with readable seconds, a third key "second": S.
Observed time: {"hour": 7, "minute": 6, "second": 26}
